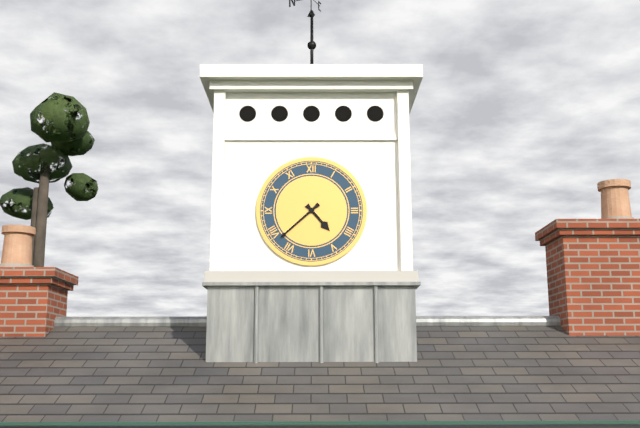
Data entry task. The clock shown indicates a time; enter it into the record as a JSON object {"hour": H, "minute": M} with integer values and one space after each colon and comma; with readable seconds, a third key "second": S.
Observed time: {"hour": 4, "minute": 38}
